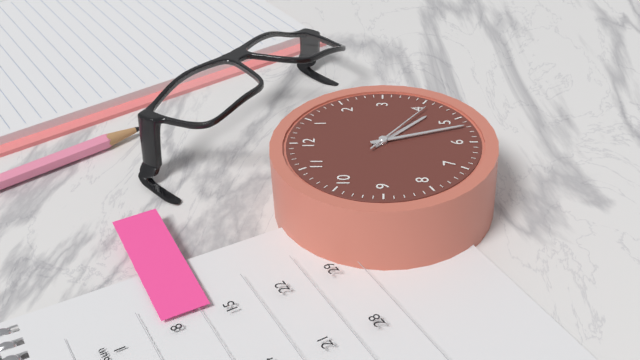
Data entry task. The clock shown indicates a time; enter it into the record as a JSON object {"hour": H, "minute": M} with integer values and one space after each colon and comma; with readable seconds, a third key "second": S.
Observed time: {"hour": 4, "minute": 27, "second": 21}
